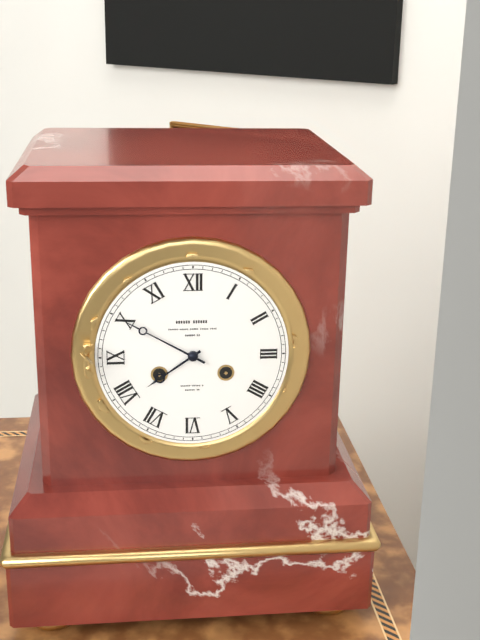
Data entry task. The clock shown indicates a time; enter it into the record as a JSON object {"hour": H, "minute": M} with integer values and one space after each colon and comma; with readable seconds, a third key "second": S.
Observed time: {"hour": 7, "minute": 50}
